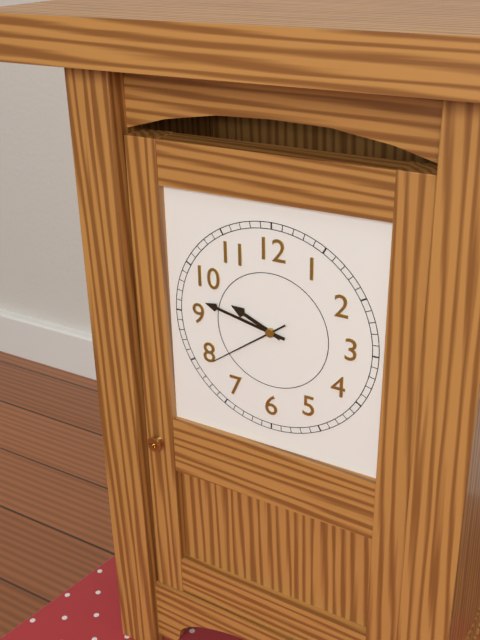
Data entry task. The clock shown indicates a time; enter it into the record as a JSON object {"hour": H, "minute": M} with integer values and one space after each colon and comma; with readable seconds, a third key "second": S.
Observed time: {"hour": 9, "minute": 47, "second": 39}
